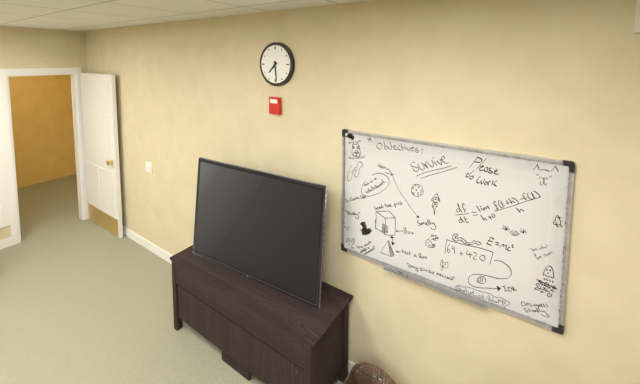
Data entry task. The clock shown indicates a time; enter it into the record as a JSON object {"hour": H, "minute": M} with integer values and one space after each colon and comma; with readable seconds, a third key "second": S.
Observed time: {"hour": 7, "minute": 29}
